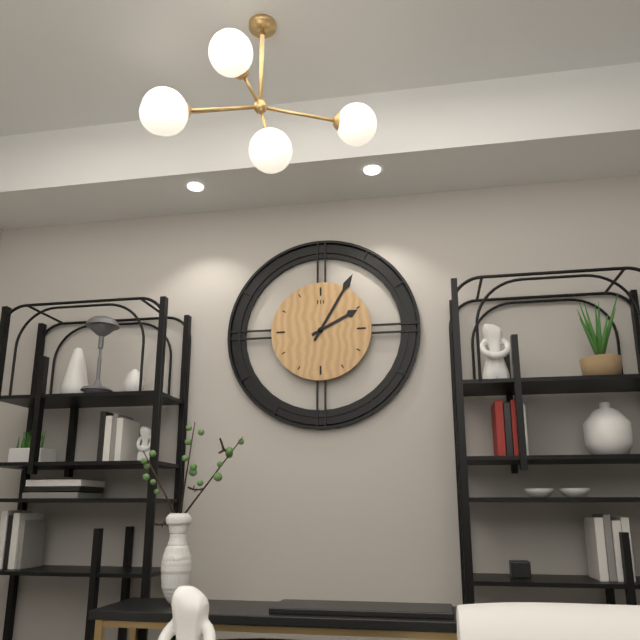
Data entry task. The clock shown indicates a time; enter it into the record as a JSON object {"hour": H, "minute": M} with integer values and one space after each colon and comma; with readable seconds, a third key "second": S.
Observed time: {"hour": 2, "minute": 5}
